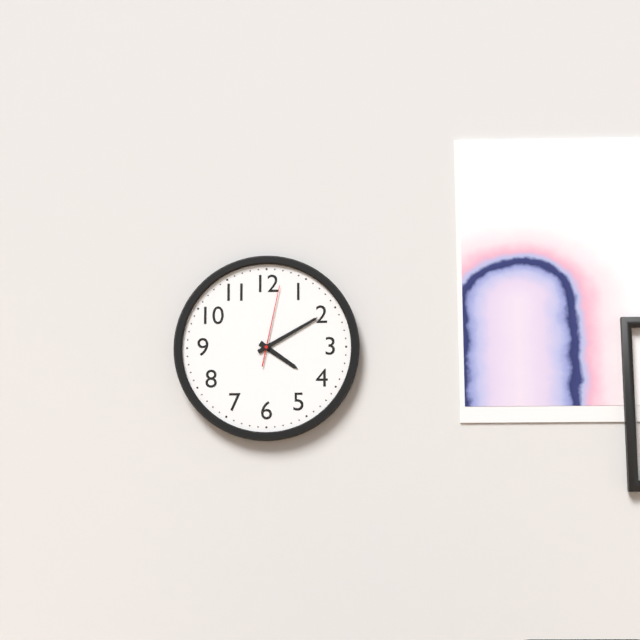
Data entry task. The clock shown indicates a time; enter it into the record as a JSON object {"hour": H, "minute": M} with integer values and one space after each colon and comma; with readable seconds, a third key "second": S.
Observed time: {"hour": 4, "minute": 10, "second": 2}
